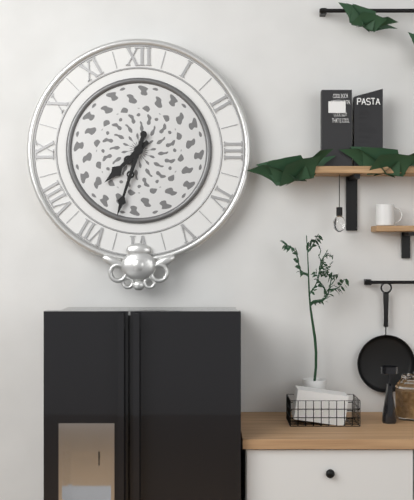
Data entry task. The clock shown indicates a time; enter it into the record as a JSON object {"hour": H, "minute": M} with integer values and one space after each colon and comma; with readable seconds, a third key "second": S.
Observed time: {"hour": 7, "minute": 33}
